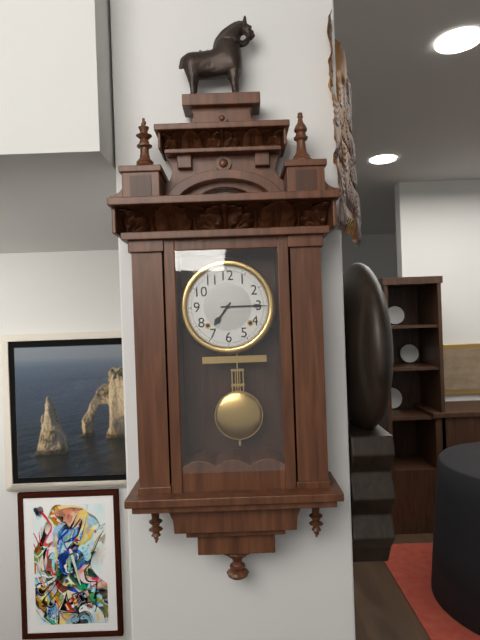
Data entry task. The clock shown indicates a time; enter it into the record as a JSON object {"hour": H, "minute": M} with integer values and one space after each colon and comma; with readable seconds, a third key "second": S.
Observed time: {"hour": 7, "minute": 15}
